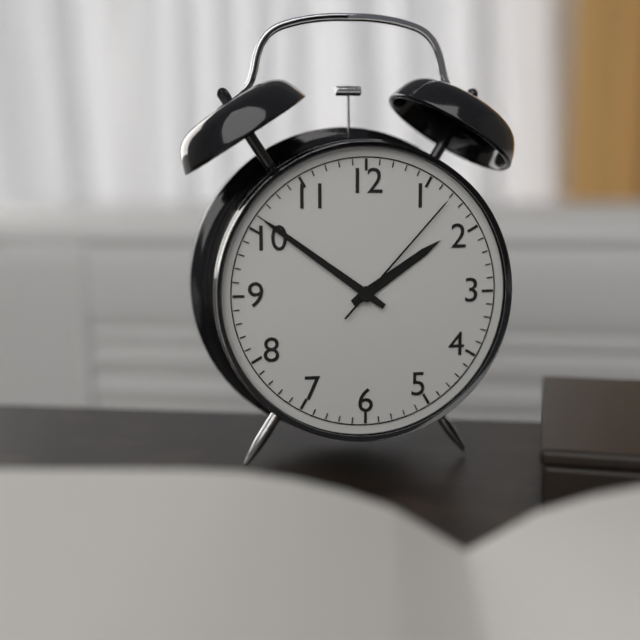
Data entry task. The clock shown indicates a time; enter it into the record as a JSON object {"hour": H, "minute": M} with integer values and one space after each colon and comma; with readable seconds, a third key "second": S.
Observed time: {"hour": 1, "minute": 51, "second": 7}
